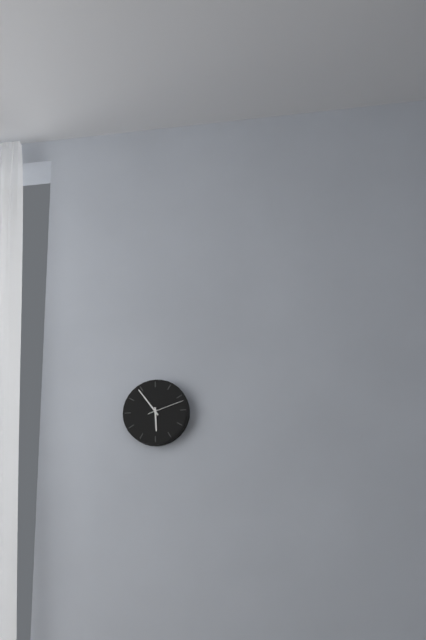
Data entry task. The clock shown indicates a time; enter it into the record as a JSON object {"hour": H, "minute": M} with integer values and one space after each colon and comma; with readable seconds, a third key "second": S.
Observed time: {"hour": 5, "minute": 54}
